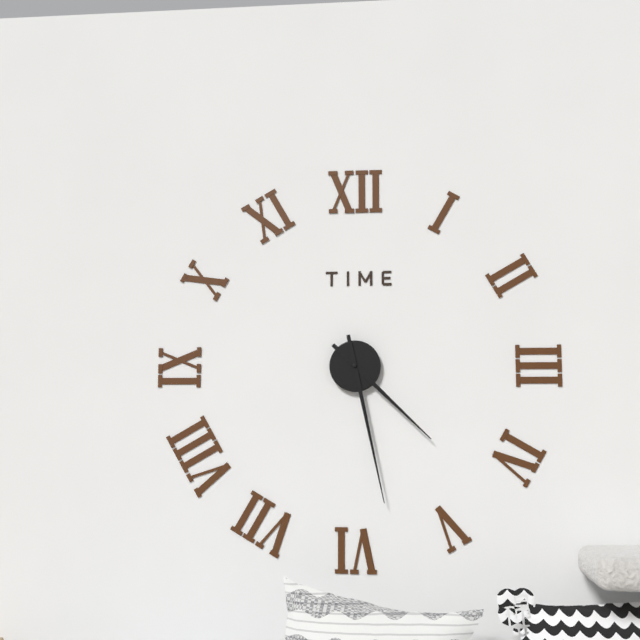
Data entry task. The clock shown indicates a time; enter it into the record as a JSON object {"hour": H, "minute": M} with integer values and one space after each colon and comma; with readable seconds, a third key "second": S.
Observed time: {"hour": 4, "minute": 28}
